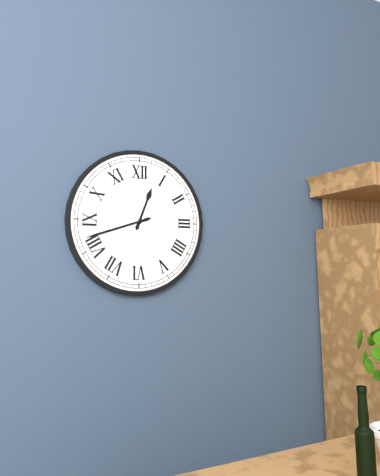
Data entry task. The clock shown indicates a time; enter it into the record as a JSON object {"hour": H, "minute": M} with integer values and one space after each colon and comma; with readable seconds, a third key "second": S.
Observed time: {"hour": 12, "minute": 42}
